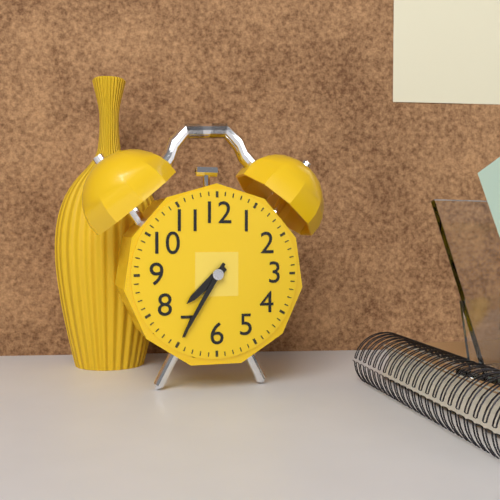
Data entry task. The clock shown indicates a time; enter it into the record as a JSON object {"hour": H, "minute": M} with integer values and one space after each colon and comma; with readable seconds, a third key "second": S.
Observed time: {"hour": 7, "minute": 35}
